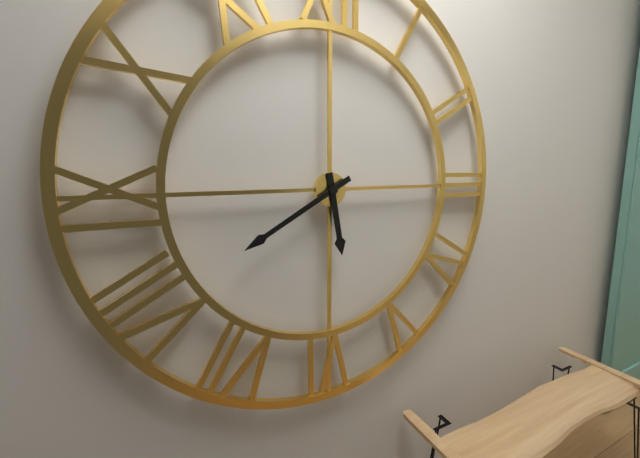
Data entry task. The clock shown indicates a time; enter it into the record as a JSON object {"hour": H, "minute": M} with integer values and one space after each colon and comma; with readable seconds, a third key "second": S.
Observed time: {"hour": 5, "minute": 40}
